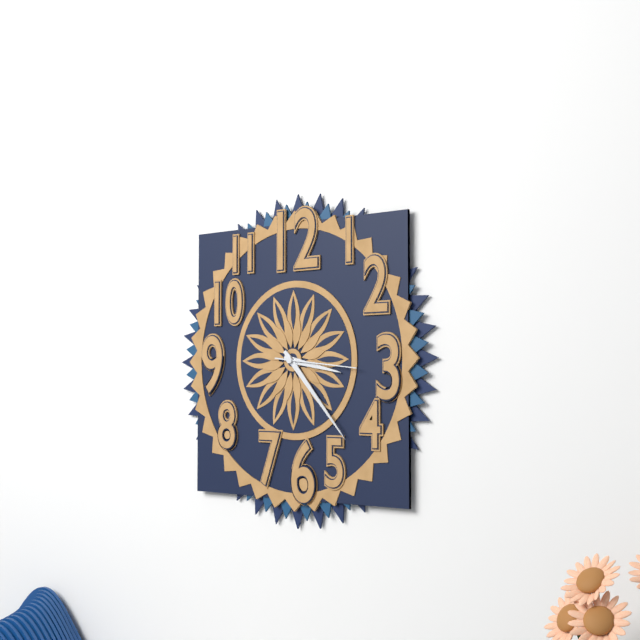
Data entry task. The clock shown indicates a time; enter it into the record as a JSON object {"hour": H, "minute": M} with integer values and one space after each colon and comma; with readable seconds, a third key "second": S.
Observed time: {"hour": 3, "minute": 23, "second": 16}
